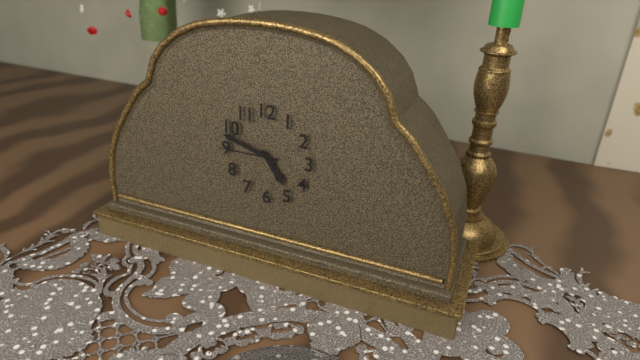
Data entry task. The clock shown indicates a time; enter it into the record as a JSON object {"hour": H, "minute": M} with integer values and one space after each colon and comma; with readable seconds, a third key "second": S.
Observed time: {"hour": 4, "minute": 48, "second": 45}
